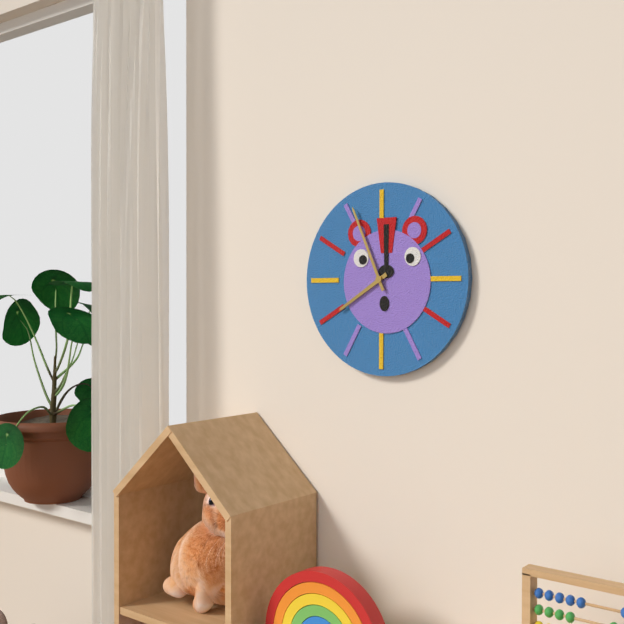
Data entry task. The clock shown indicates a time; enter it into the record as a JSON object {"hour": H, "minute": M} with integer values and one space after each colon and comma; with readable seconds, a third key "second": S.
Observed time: {"hour": 7, "minute": 56}
